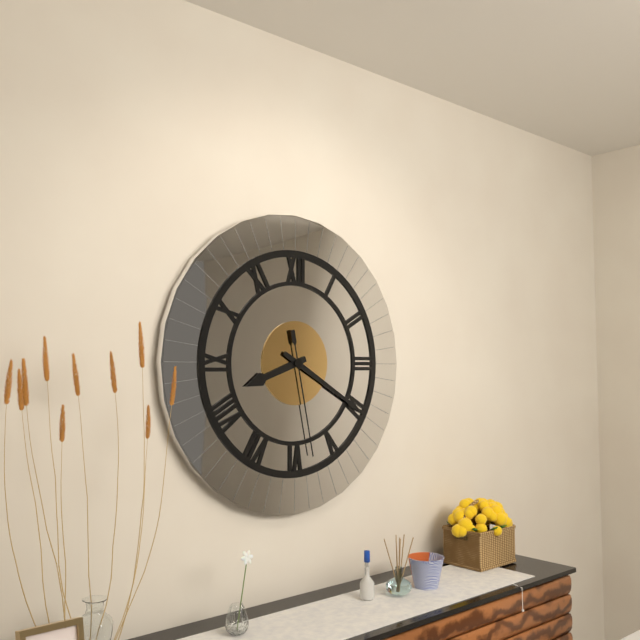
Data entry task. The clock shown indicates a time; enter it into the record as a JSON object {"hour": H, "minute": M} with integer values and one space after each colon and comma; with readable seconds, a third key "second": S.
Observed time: {"hour": 8, "minute": 20, "second": 28}
